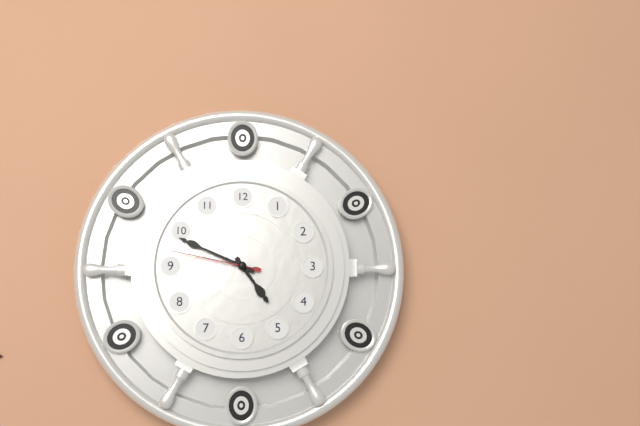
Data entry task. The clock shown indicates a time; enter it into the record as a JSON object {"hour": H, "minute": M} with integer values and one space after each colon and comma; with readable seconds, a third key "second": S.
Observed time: {"hour": 4, "minute": 49, "second": 47}
